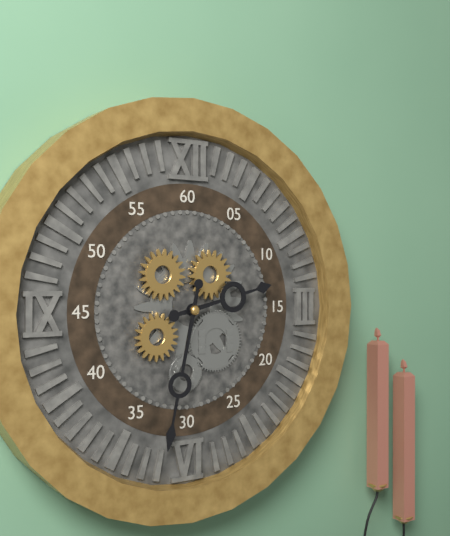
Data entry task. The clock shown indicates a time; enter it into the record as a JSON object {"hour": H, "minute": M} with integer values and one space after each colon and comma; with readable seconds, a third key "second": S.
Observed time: {"hour": 2, "minute": 32}
